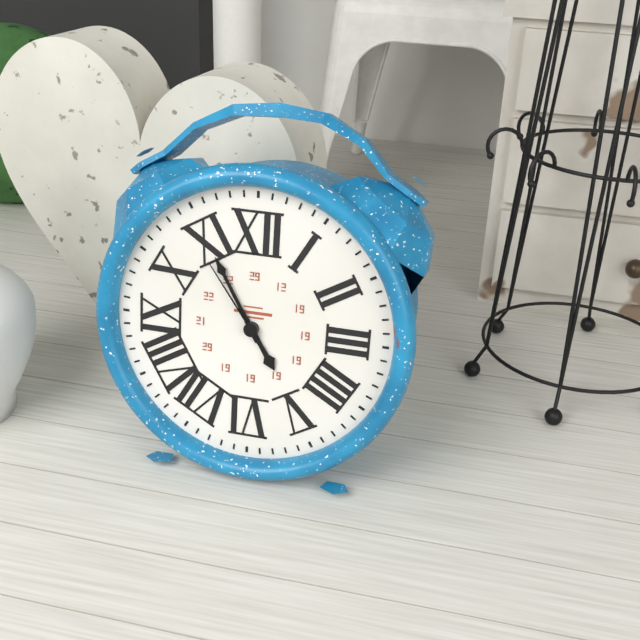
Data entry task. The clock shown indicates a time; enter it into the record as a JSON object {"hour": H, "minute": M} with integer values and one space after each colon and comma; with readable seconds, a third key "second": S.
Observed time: {"hour": 4, "minute": 55, "second": 54}
